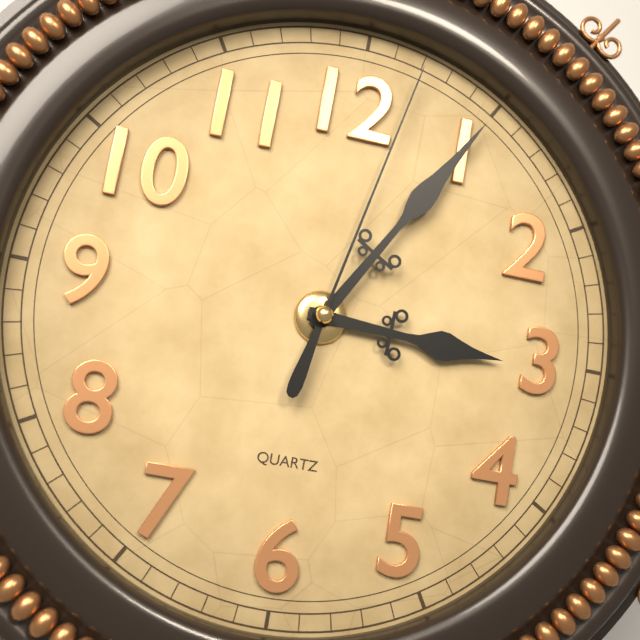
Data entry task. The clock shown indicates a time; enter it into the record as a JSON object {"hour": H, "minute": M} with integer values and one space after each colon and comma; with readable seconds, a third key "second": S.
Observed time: {"hour": 3, "minute": 5, "second": 2}
